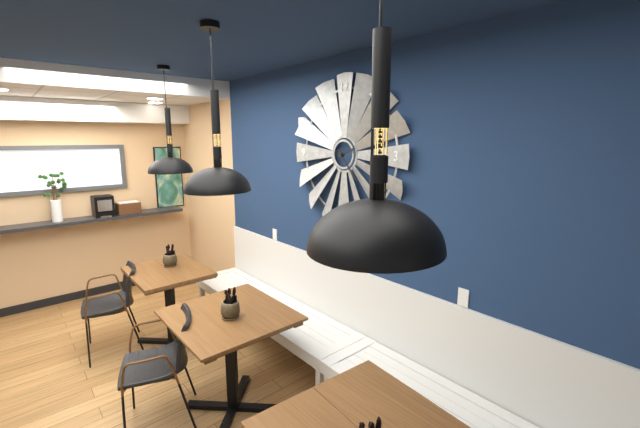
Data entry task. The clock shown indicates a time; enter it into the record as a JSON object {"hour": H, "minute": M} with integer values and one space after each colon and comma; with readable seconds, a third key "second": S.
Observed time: {"hour": 2, "minute": 23}
